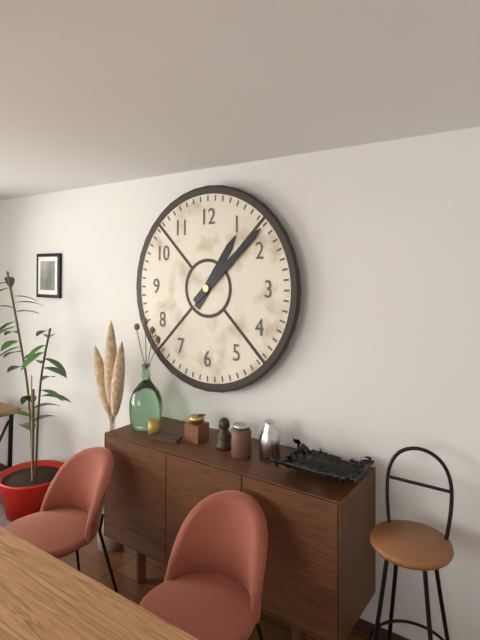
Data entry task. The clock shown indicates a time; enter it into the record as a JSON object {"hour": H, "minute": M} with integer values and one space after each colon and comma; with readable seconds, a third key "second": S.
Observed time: {"hour": 1, "minute": 8}
